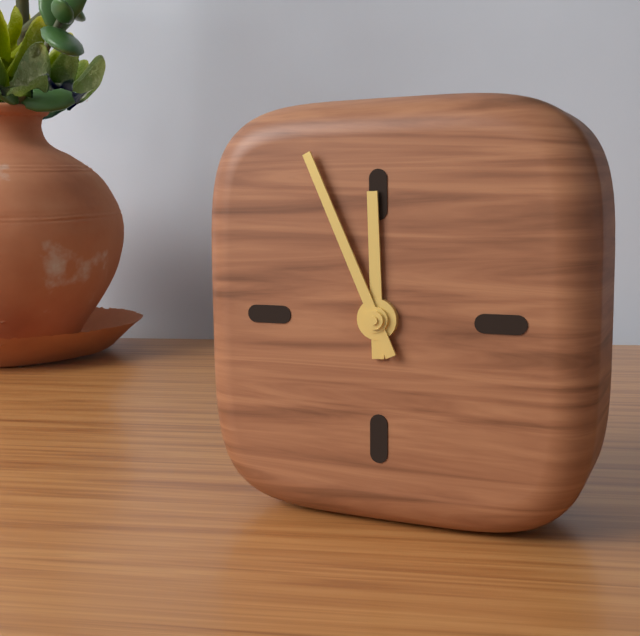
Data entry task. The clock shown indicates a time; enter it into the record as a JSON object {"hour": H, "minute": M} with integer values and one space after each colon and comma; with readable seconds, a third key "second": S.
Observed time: {"hour": 11, "minute": 56}
